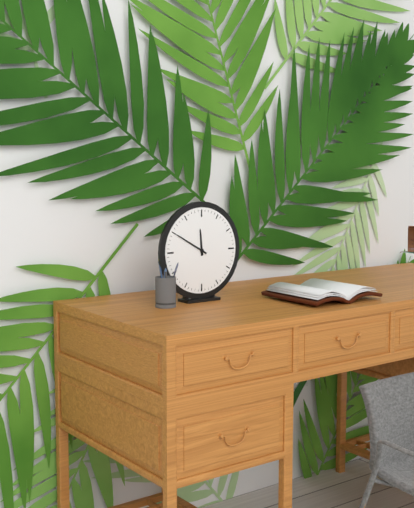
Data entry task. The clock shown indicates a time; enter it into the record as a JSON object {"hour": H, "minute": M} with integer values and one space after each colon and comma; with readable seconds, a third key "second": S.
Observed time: {"hour": 11, "minute": 50}
